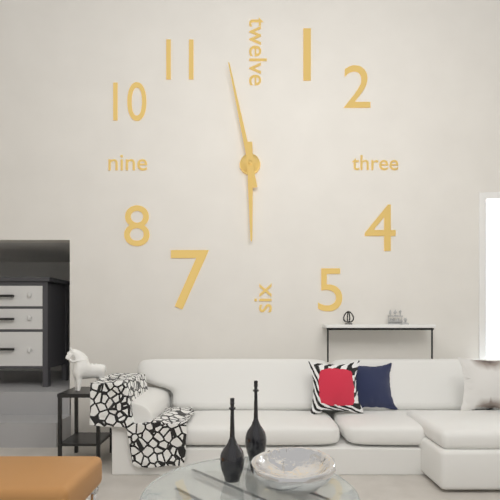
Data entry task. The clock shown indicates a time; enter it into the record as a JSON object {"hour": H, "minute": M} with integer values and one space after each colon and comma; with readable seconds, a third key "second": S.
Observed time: {"hour": 5, "minute": 58}
